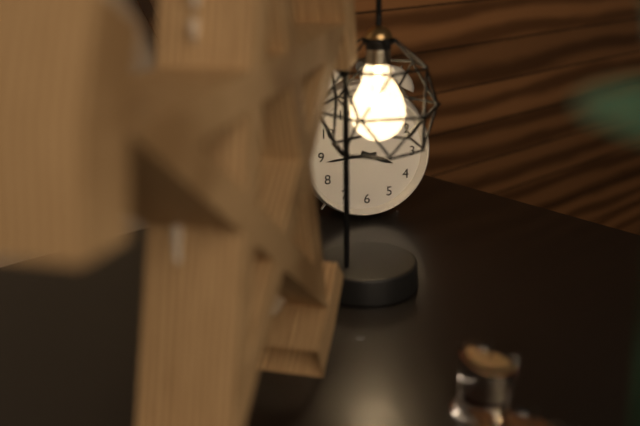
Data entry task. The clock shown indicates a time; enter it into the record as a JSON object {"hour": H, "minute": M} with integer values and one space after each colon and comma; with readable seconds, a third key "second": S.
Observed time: {"hour": 3, "minute": 44}
